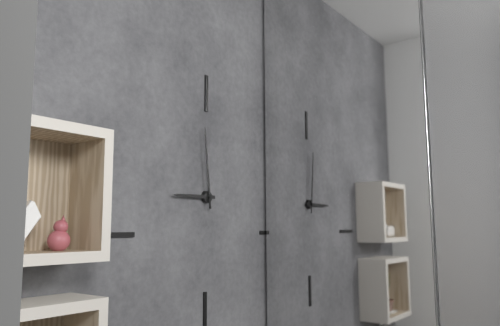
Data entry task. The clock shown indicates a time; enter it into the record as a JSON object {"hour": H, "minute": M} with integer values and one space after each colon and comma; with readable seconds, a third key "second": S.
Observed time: {"hour": 8, "minute": 59}
